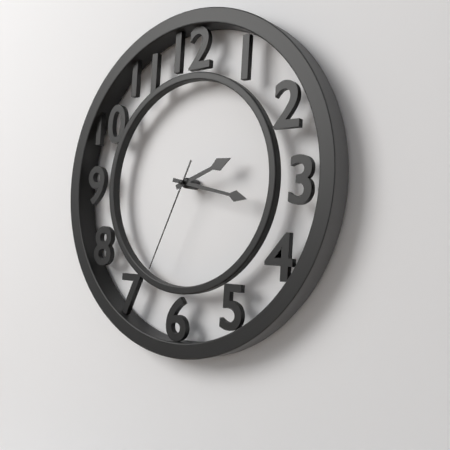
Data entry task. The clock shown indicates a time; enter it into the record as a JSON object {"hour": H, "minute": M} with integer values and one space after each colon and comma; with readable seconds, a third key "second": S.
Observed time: {"hour": 2, "minute": 17, "second": 34}
